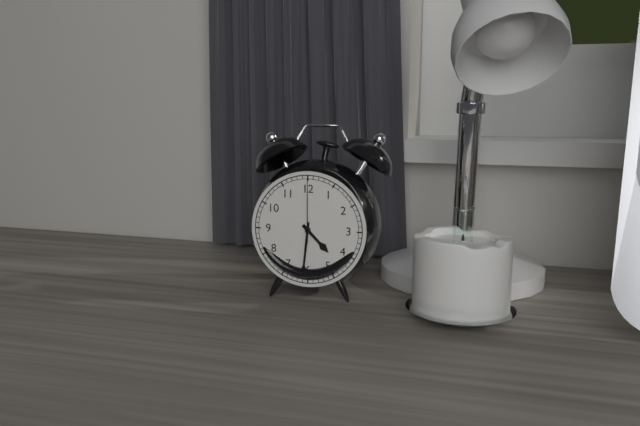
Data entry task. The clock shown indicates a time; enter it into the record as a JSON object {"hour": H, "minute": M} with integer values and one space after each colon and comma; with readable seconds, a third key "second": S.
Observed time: {"hour": 4, "minute": 31, "second": 0}
